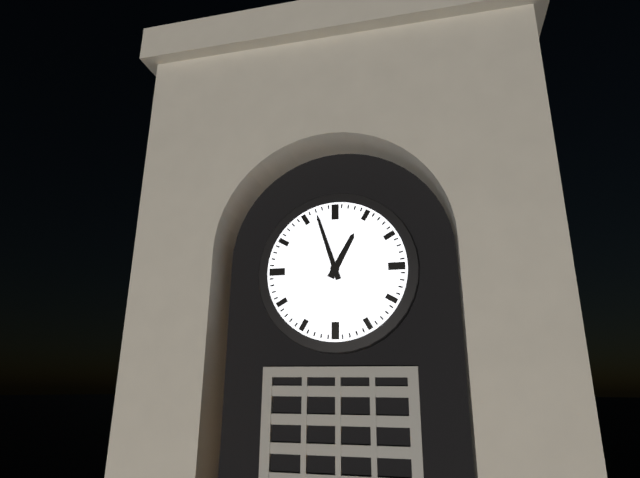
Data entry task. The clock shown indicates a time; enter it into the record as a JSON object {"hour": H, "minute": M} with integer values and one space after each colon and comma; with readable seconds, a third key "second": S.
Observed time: {"hour": 12, "minute": 57}
